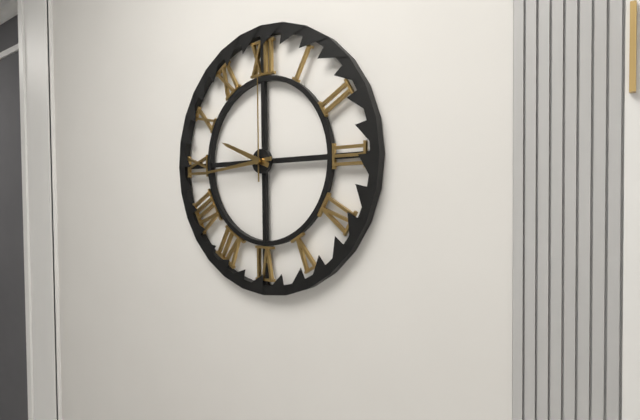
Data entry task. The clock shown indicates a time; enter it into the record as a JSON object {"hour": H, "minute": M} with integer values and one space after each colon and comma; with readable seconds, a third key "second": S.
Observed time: {"hour": 9, "minute": 44, "second": 0}
